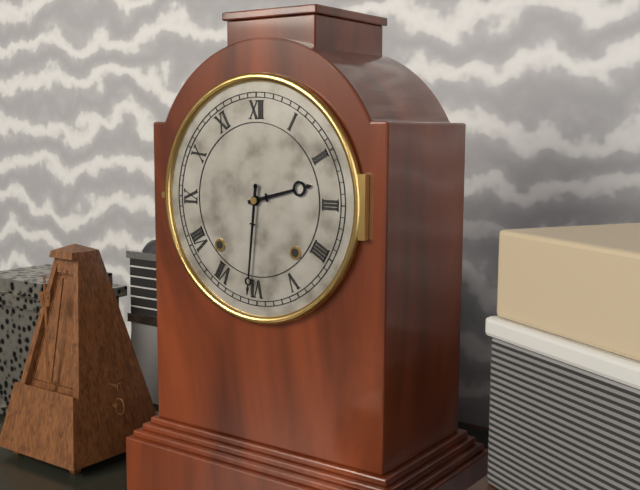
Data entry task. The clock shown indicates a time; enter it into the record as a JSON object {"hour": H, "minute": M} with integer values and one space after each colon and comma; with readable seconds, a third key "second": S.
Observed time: {"hour": 2, "minute": 31}
